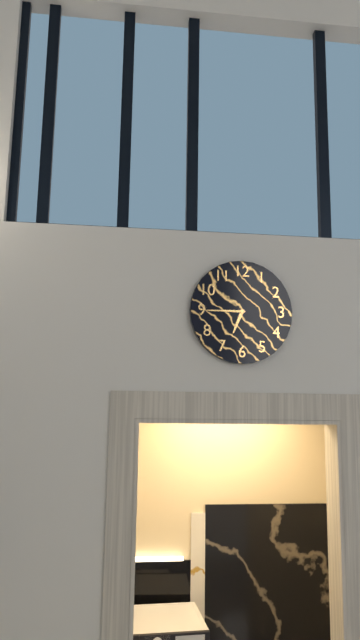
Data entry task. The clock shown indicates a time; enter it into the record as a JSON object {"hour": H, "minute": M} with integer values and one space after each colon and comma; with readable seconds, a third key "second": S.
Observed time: {"hour": 6, "minute": 45}
